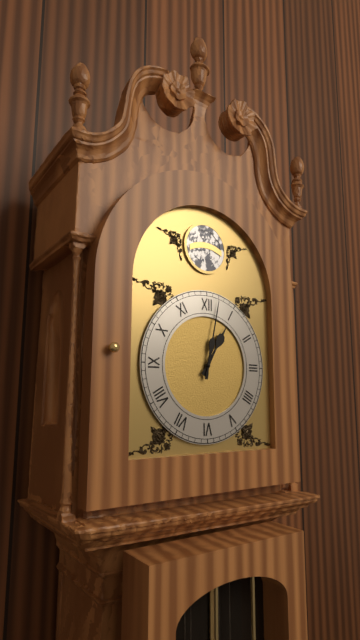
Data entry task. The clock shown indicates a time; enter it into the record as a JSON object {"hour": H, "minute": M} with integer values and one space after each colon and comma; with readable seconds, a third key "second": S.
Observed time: {"hour": 1, "minute": 2}
